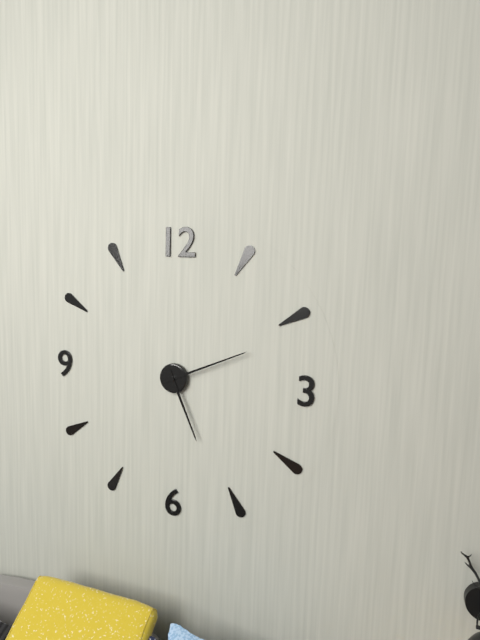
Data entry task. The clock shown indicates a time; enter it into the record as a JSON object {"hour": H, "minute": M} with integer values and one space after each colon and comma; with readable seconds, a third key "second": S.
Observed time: {"hour": 5, "minute": 11}
